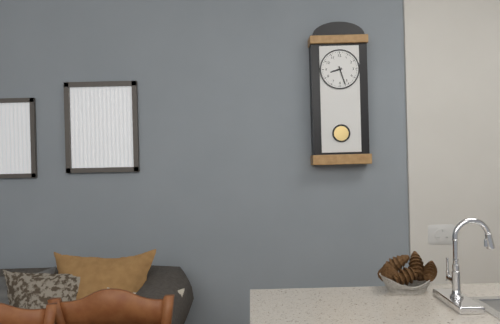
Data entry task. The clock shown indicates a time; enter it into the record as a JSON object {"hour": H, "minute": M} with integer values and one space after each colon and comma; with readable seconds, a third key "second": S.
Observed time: {"hour": 8, "minute": 27}
